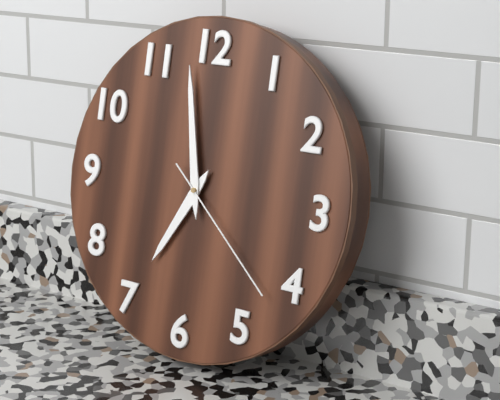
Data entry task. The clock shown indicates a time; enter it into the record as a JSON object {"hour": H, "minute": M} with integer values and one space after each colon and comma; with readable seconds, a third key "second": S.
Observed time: {"hour": 6, "minute": 58, "second": 22}
